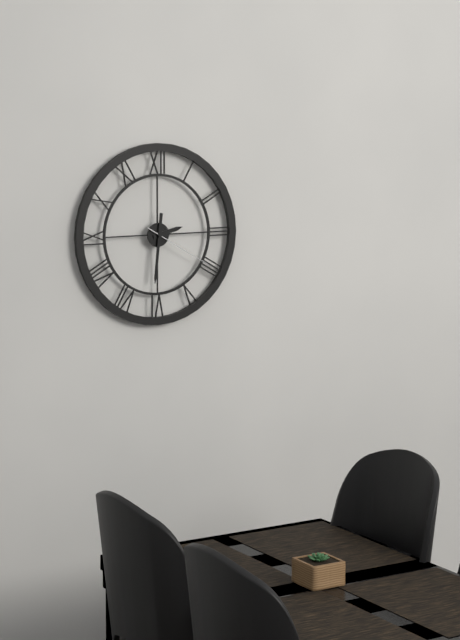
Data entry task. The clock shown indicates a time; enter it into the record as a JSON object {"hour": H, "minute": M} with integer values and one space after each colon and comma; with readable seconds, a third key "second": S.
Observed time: {"hour": 2, "minute": 31, "second": 20}
